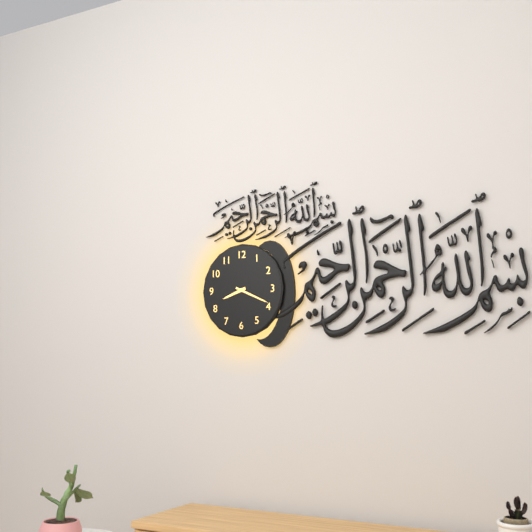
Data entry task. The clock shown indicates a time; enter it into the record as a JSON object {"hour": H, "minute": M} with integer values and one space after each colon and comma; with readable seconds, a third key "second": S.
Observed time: {"hour": 8, "minute": 19}
